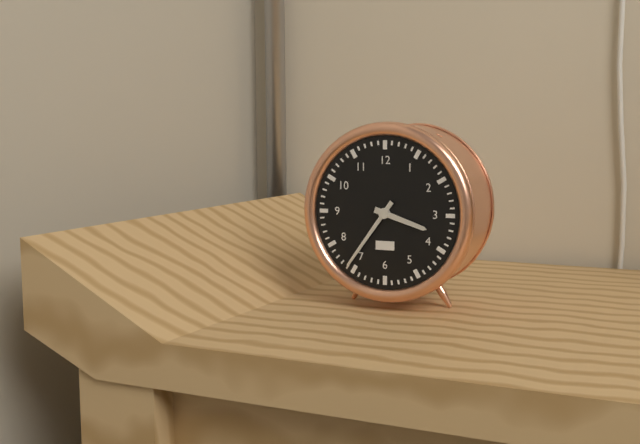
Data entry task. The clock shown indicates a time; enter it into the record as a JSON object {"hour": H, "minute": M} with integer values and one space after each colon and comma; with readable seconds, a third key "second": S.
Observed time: {"hour": 3, "minute": 36}
